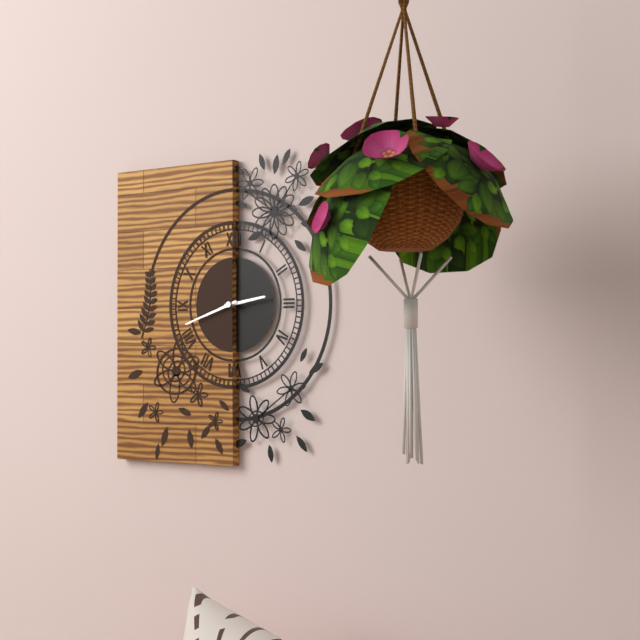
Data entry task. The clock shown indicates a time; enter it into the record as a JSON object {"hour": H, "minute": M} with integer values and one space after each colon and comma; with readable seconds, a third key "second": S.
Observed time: {"hour": 2, "minute": 42}
